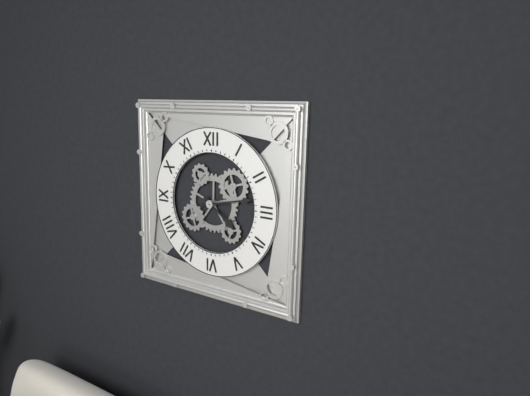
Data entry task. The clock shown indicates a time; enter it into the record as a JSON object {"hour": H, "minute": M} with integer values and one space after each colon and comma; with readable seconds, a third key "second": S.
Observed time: {"hour": 4, "minute": 13}
